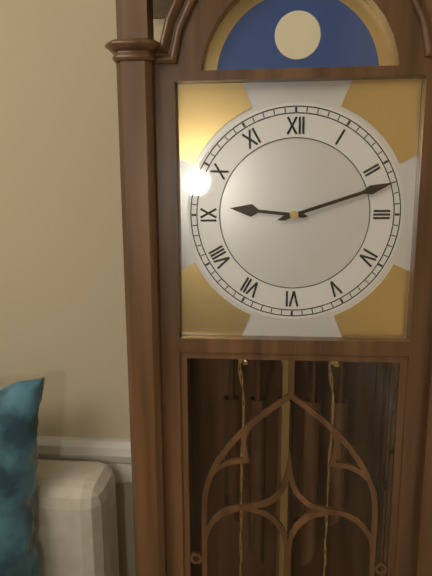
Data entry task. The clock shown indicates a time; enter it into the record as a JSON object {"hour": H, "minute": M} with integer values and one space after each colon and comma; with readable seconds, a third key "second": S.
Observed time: {"hour": 9, "minute": 12}
